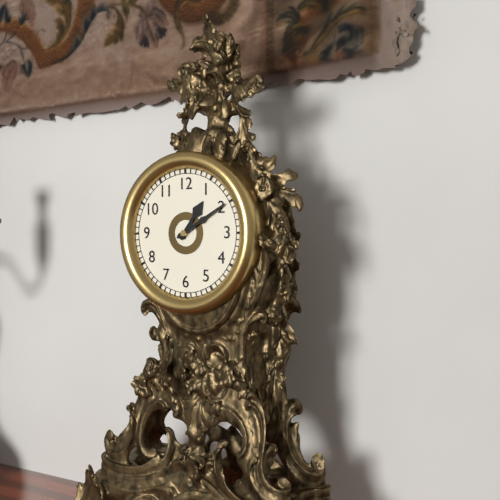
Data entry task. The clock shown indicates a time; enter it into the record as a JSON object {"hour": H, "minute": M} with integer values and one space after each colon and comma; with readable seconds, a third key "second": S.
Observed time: {"hour": 1, "minute": 10}
